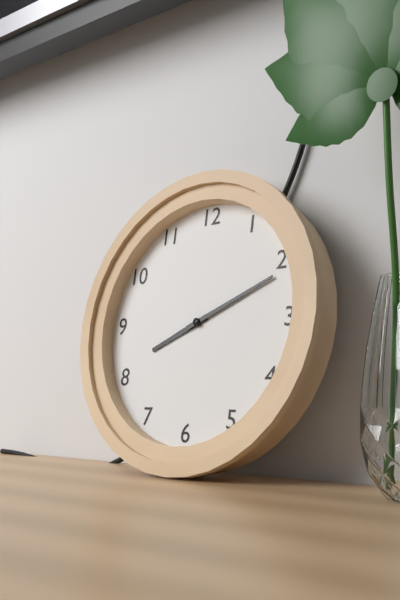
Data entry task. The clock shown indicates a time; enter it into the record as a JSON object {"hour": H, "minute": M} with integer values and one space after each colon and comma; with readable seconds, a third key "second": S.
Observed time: {"hour": 8, "minute": 11}
